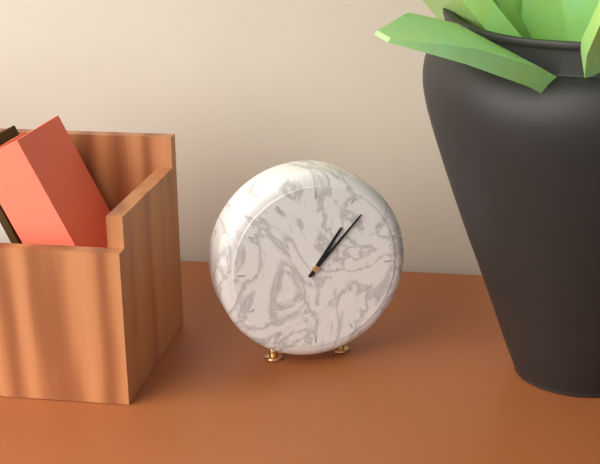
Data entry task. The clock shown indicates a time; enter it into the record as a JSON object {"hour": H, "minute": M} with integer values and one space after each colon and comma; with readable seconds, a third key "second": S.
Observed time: {"hour": 1, "minute": 7}
